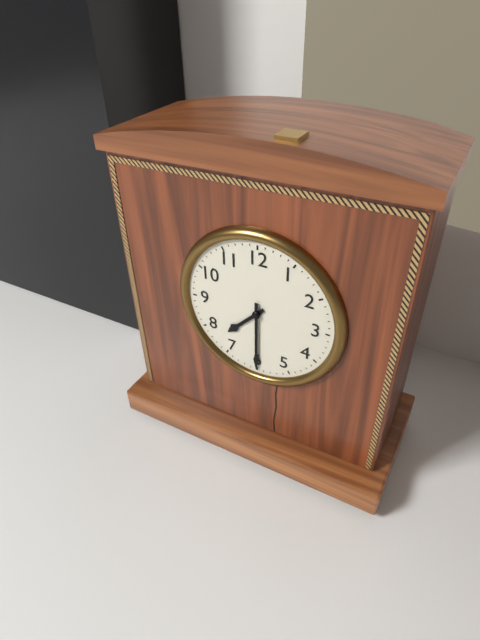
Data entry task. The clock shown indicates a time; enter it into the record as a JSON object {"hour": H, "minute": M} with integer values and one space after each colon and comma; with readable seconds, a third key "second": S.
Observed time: {"hour": 7, "minute": 30}
